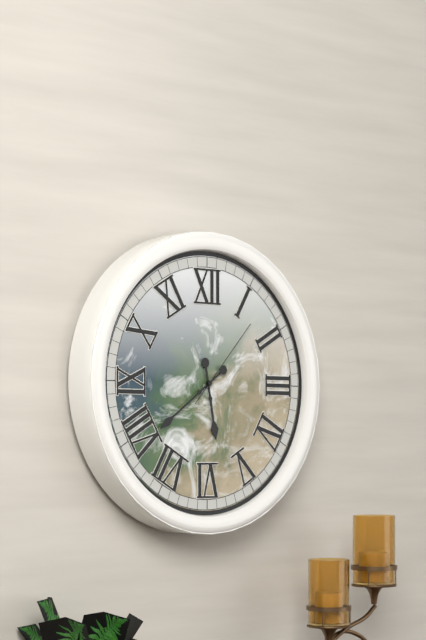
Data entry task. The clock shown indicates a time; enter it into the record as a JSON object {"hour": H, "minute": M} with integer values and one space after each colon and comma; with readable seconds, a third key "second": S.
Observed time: {"hour": 5, "minute": 39, "second": 7}
